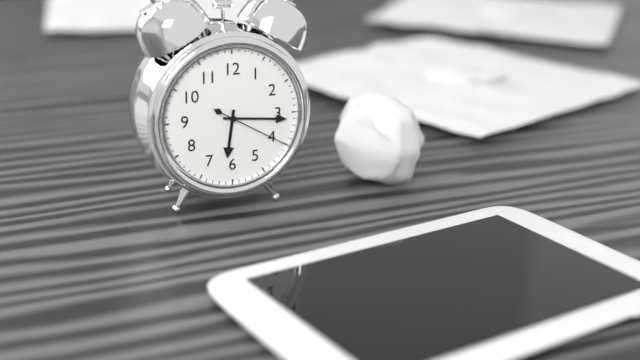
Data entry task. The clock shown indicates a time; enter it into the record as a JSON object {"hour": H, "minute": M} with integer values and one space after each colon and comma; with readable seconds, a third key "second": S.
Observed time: {"hour": 6, "minute": 16, "second": 20}
